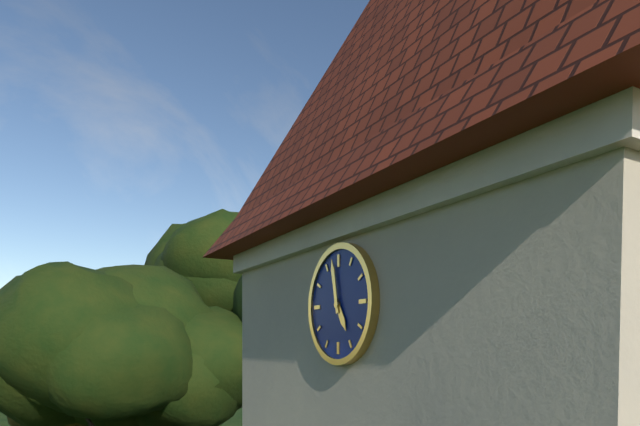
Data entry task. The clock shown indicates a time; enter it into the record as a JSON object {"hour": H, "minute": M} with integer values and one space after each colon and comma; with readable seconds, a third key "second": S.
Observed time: {"hour": 4, "minute": 58}
